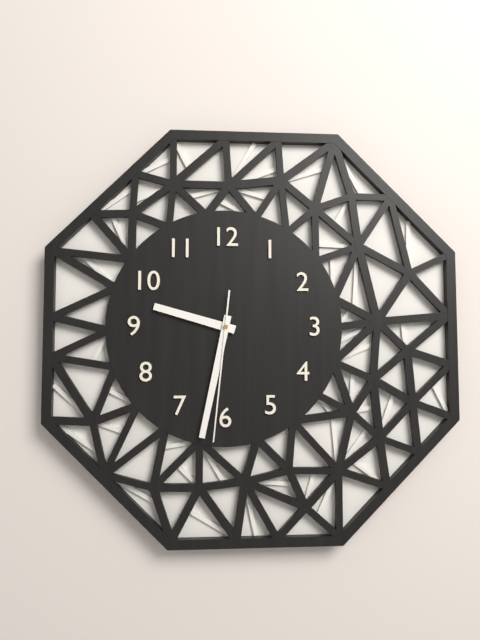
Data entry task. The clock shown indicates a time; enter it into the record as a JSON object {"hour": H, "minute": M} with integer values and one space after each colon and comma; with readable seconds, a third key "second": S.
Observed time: {"hour": 9, "minute": 32, "second": 31}
